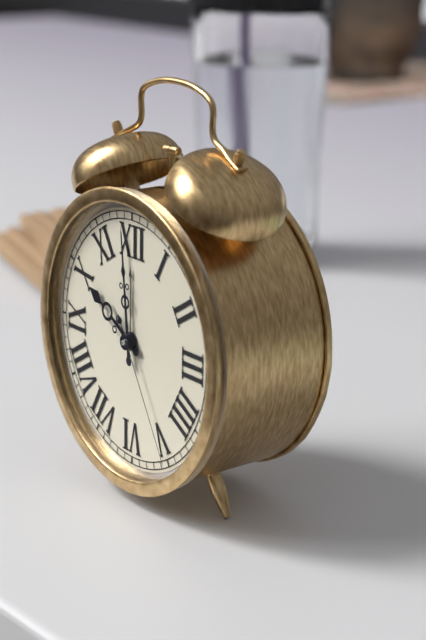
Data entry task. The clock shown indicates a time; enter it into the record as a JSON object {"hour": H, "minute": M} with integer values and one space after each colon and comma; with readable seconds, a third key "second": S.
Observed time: {"hour": 9, "minute": 59, "second": 25}
